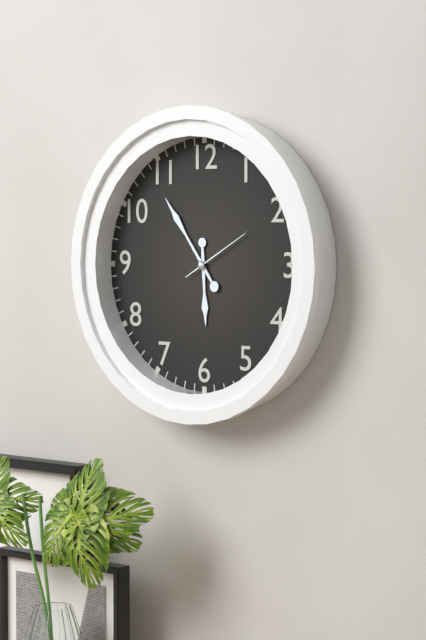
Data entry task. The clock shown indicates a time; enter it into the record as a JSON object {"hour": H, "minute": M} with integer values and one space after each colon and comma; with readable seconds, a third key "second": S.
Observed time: {"hour": 5, "minute": 54, "second": 10}
